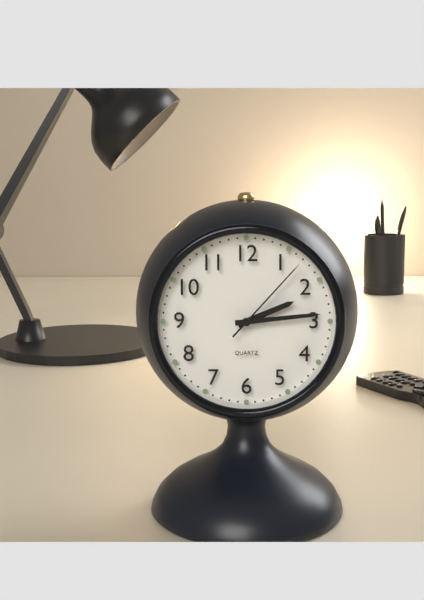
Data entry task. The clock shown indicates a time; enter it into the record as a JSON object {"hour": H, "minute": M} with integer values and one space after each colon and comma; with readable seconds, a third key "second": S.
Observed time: {"hour": 2, "minute": 14, "second": 7}
